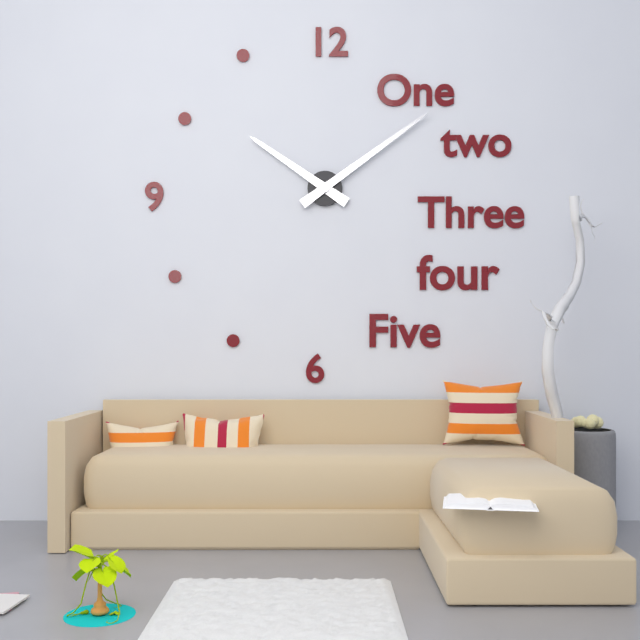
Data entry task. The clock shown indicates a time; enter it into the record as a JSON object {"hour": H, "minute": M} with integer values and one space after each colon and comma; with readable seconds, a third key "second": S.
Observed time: {"hour": 10, "minute": 9}
